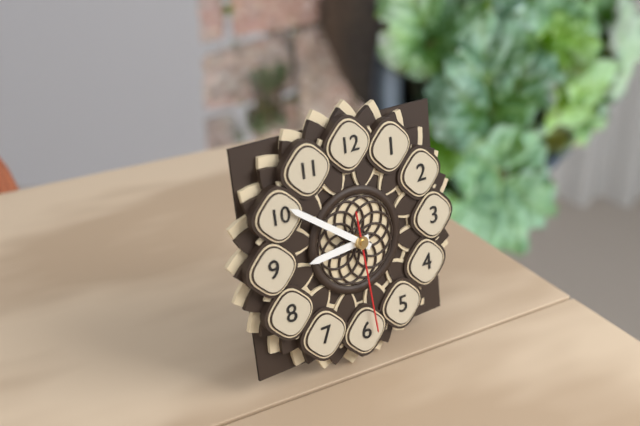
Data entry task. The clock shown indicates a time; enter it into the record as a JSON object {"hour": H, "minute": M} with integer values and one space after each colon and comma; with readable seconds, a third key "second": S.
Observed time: {"hour": 8, "minute": 51, "second": 29}
